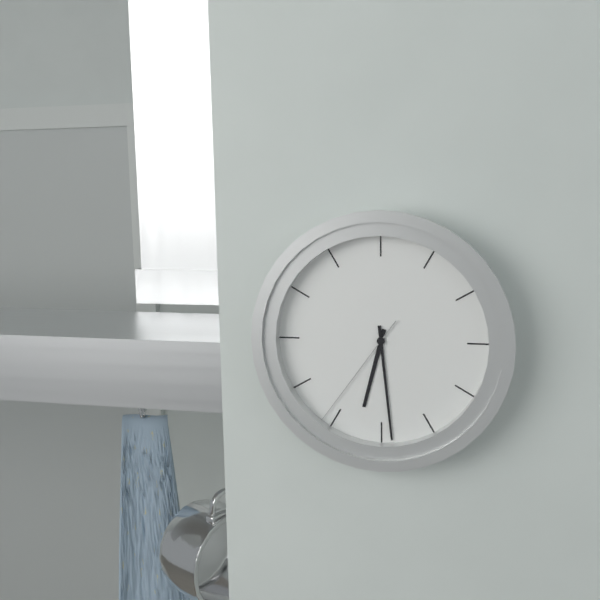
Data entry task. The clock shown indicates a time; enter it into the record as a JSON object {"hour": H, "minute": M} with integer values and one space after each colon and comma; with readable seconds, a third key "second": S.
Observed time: {"hour": 6, "minute": 29, "second": 36}
